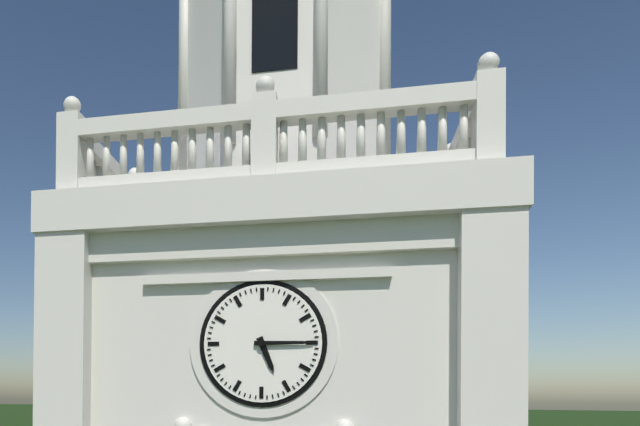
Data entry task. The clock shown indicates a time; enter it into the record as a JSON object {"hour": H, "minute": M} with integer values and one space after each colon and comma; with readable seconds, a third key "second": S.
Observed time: {"hour": 5, "minute": 15}
